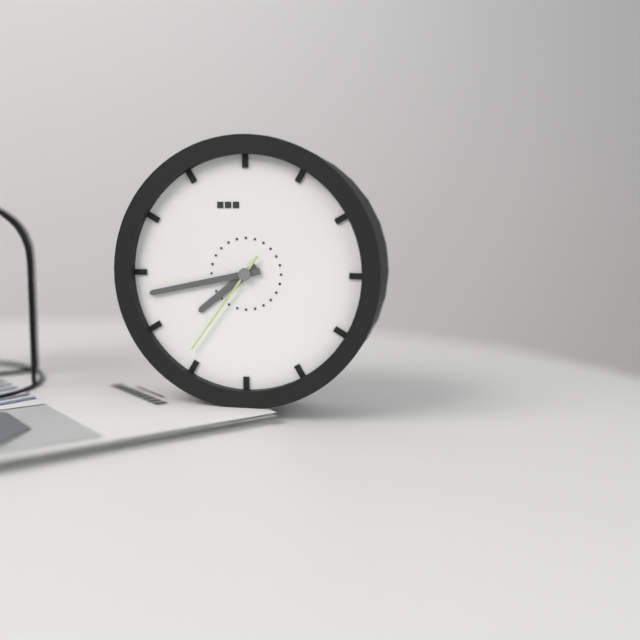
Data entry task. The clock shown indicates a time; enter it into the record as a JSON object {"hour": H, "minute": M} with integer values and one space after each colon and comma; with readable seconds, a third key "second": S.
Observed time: {"hour": 7, "minute": 43, "second": 36}
